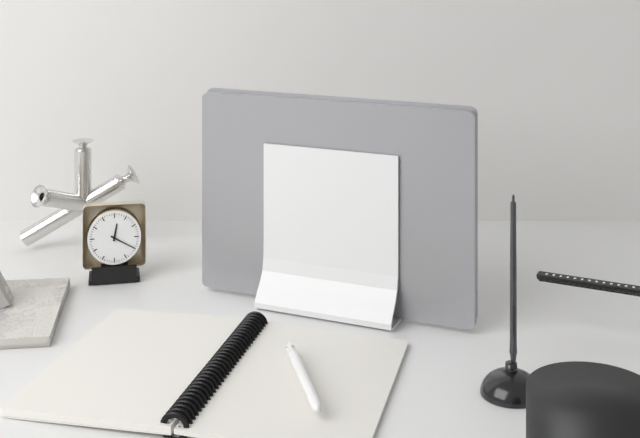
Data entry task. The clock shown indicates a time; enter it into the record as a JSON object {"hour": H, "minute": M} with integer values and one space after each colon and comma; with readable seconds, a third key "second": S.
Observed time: {"hour": 12, "minute": 20}
